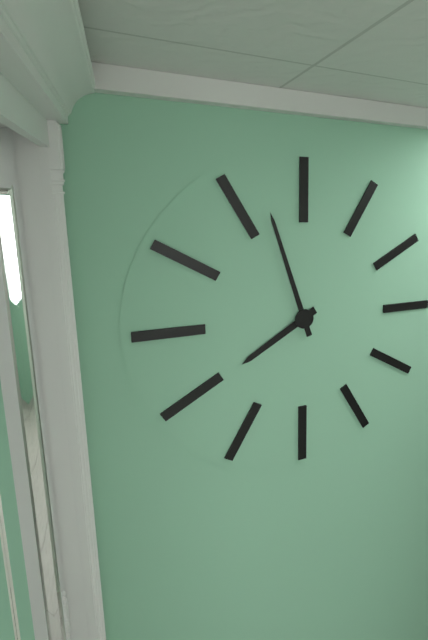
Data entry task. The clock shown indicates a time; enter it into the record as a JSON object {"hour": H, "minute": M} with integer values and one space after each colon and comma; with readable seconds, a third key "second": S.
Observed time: {"hour": 7, "minute": 57}
